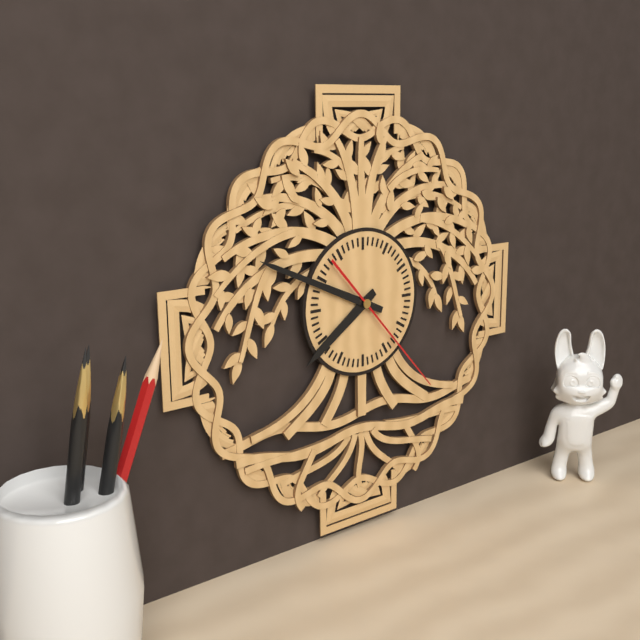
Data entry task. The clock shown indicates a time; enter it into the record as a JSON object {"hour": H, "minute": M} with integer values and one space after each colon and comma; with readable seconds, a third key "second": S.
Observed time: {"hour": 7, "minute": 49, "second": 23}
